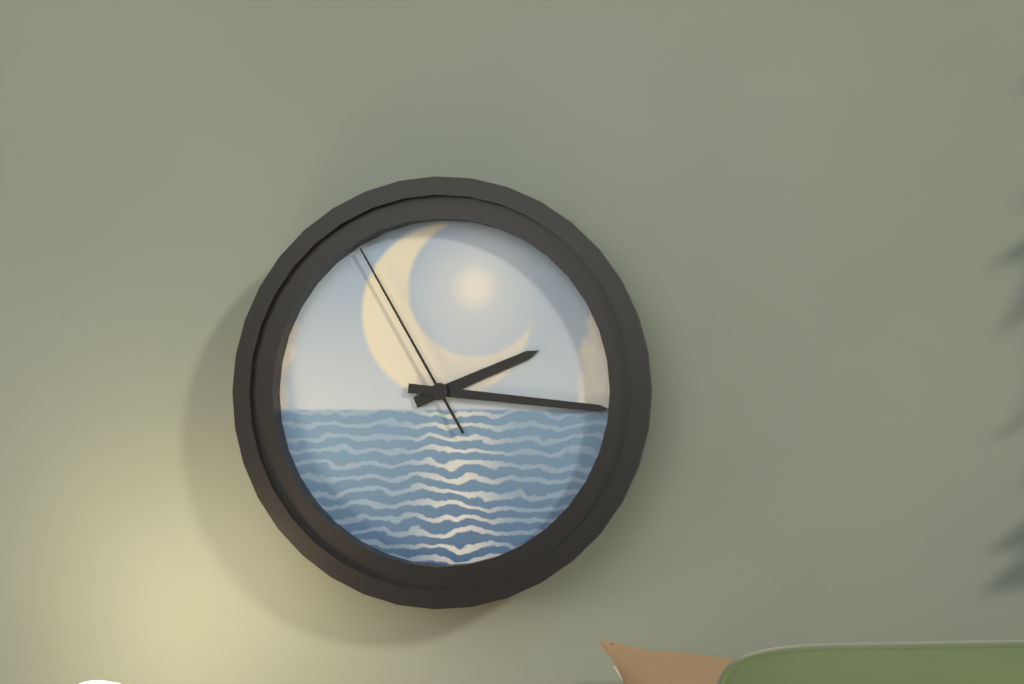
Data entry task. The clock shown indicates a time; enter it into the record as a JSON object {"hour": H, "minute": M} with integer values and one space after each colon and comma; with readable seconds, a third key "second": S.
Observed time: {"hour": 2, "minute": 16, "second": 55}
